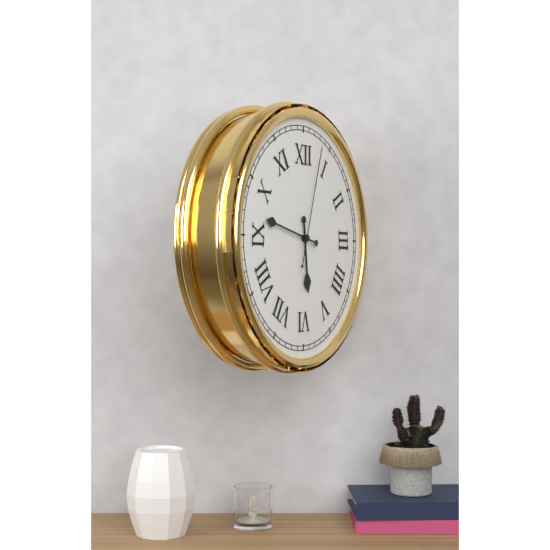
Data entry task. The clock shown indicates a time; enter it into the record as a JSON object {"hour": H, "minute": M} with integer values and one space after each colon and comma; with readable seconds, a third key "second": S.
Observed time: {"hour": 5, "minute": 47, "second": 3}
